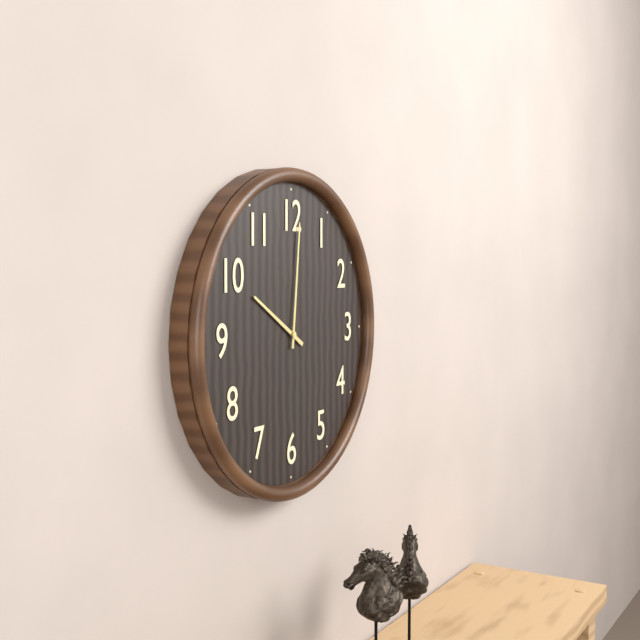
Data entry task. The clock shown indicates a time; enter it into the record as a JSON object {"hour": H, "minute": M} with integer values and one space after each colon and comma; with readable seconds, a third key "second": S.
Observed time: {"hour": 10, "minute": 1}
